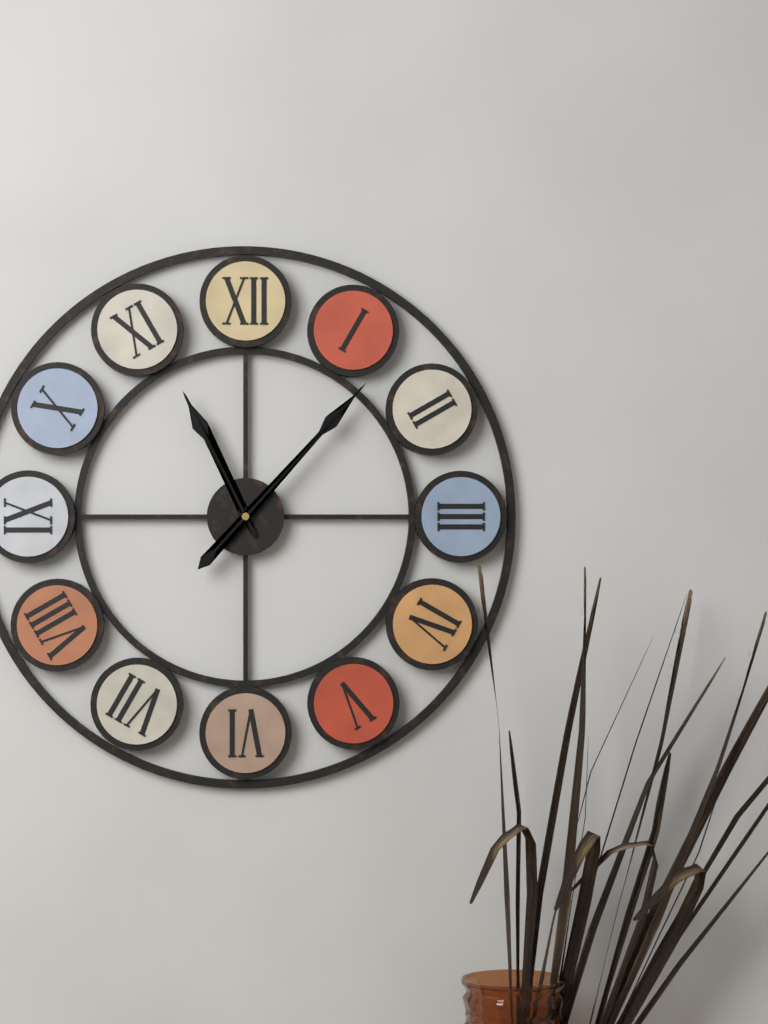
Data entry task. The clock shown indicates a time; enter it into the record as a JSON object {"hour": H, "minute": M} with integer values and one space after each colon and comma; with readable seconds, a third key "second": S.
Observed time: {"hour": 11, "minute": 7}
